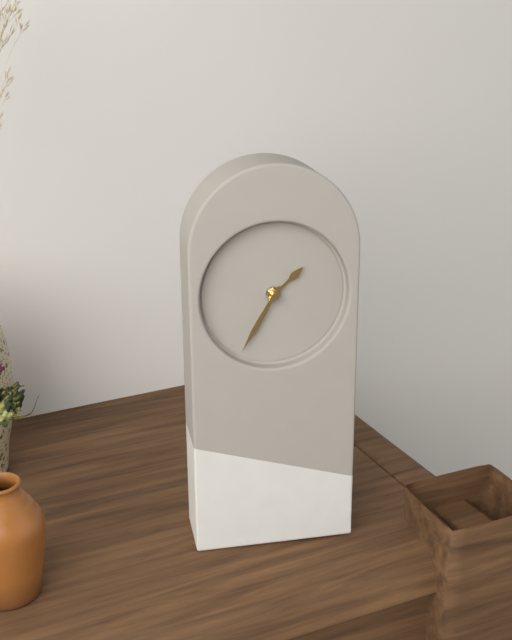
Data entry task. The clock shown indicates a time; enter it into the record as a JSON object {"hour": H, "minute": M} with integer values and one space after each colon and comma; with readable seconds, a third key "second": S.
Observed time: {"hour": 1, "minute": 35}
